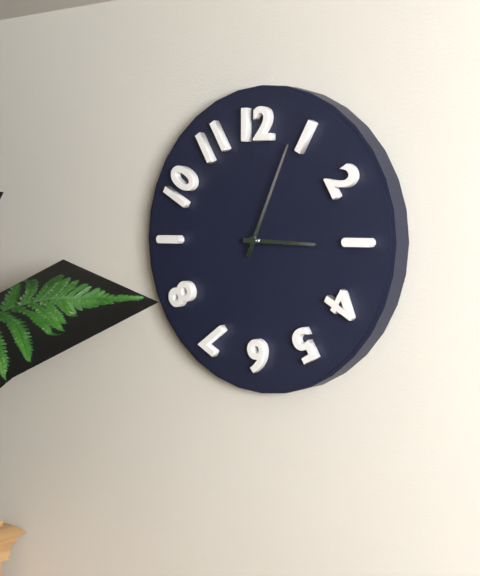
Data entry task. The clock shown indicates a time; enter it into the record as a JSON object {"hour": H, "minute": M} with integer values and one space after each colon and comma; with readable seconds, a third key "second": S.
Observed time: {"hour": 3, "minute": 4}
